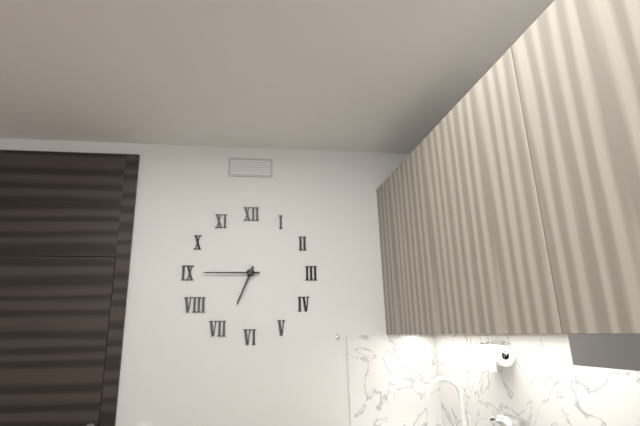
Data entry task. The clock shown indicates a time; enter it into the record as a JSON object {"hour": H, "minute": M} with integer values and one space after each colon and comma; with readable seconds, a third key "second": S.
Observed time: {"hour": 6, "minute": 45}
